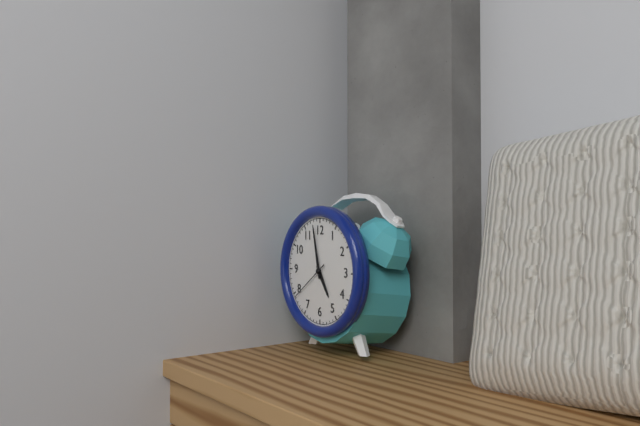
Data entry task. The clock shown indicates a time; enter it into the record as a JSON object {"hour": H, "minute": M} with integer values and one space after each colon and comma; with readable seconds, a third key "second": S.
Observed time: {"hour": 4, "minute": 58}
